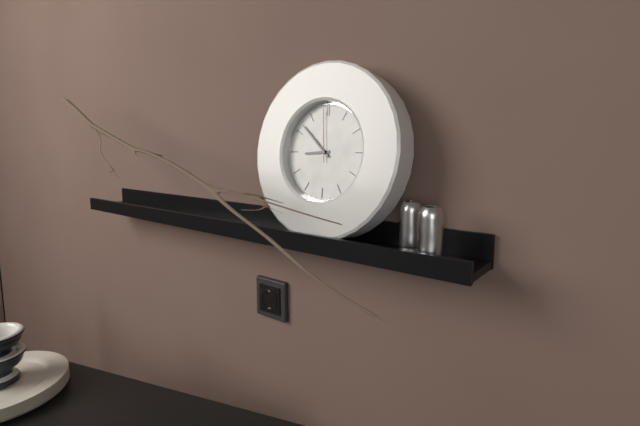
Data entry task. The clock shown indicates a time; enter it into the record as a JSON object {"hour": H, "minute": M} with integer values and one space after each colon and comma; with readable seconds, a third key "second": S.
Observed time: {"hour": 8, "minute": 52, "second": 59}
